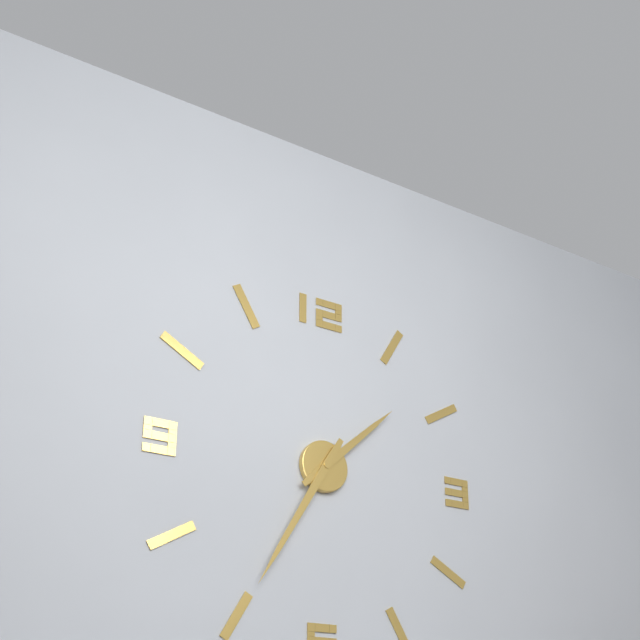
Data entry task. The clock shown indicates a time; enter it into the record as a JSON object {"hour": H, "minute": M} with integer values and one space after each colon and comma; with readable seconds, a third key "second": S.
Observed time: {"hour": 1, "minute": 35}
